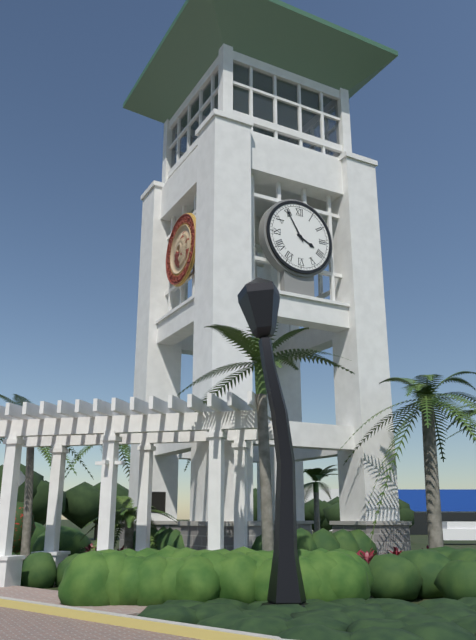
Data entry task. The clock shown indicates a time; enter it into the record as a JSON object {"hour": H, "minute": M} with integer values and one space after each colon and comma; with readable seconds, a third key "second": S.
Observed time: {"hour": 3, "minute": 55}
